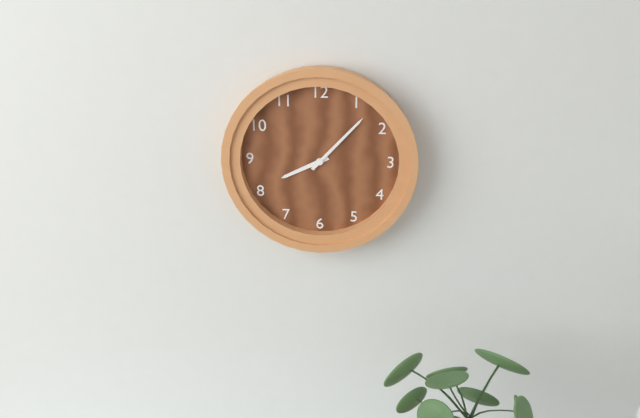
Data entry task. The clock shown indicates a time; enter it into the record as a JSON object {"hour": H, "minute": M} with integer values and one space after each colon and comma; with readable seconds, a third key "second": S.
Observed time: {"hour": 8, "minute": 7}
